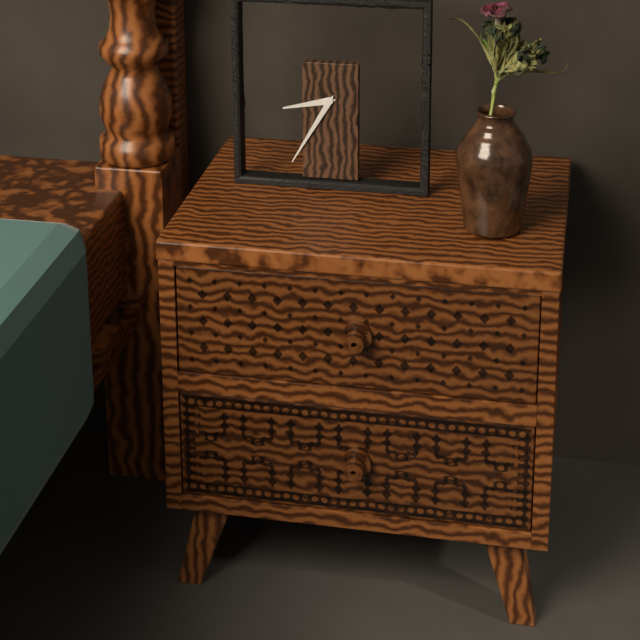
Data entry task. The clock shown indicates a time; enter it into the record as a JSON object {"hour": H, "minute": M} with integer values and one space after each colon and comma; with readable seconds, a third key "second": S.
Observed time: {"hour": 8, "minute": 35}
